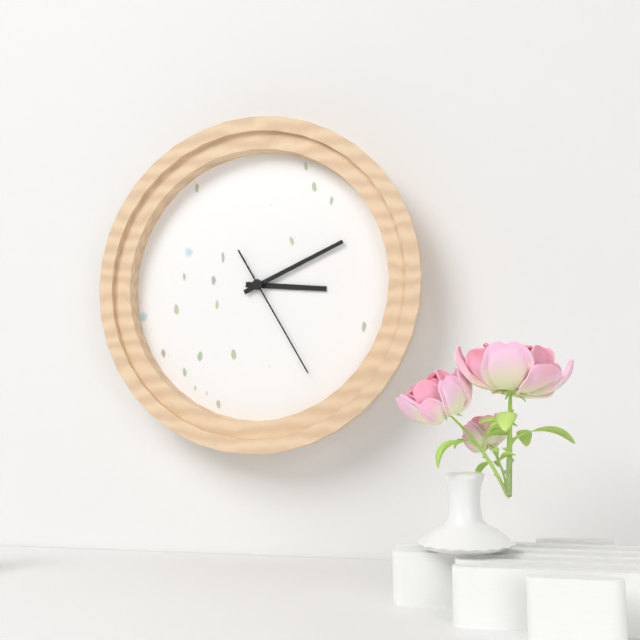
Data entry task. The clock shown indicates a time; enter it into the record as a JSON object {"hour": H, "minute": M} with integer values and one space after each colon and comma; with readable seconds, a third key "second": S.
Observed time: {"hour": 3, "minute": 11, "second": 25}
